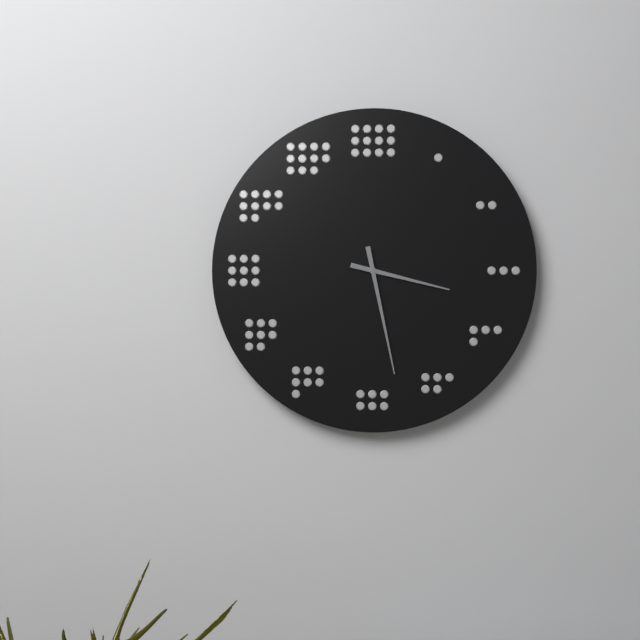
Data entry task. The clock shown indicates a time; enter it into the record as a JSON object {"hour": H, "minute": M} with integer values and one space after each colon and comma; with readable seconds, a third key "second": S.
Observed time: {"hour": 3, "minute": 28}
